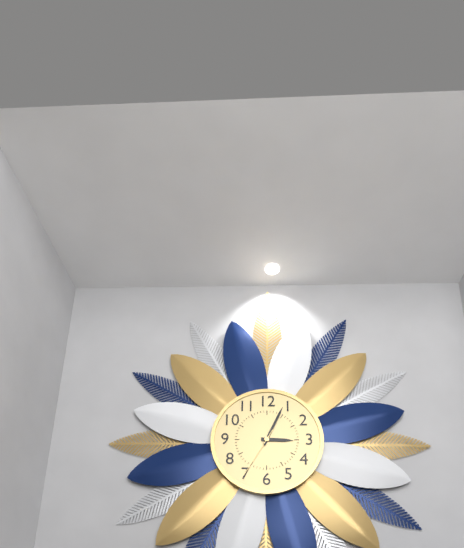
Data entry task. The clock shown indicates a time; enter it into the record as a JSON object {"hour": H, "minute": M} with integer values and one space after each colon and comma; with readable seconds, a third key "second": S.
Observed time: {"hour": 3, "minute": 4}
